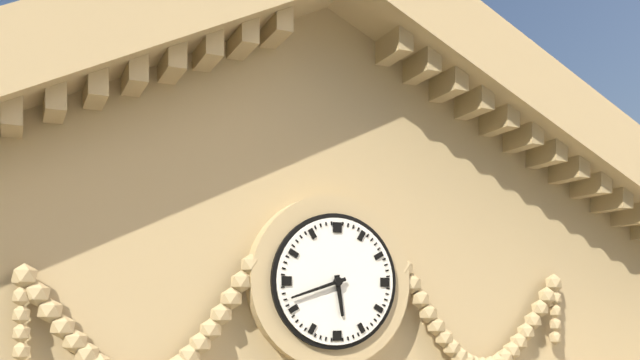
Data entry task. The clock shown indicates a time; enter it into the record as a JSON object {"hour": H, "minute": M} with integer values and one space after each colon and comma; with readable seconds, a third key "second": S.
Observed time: {"hour": 5, "minute": 42}
